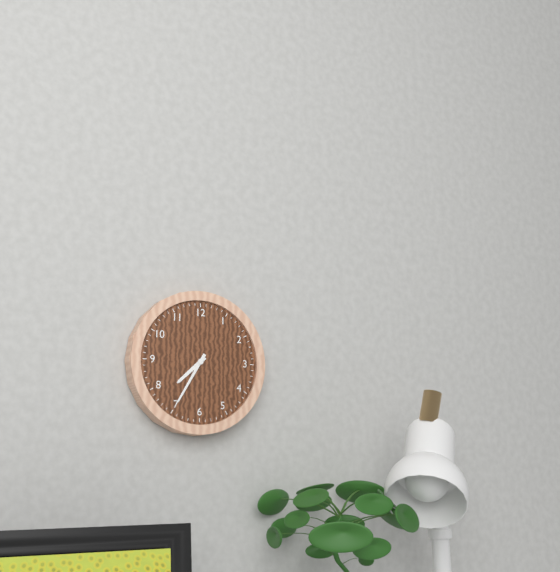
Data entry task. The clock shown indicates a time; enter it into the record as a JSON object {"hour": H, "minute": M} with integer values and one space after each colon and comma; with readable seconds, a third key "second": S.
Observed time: {"hour": 7, "minute": 35}
